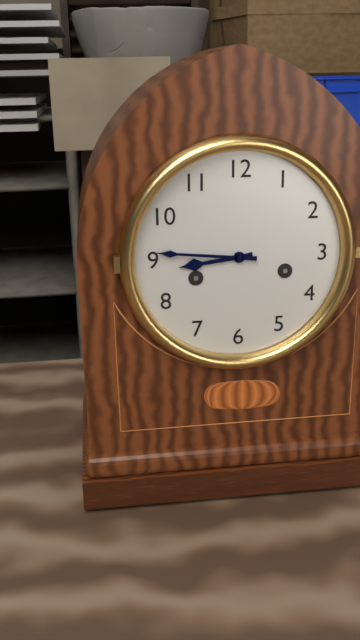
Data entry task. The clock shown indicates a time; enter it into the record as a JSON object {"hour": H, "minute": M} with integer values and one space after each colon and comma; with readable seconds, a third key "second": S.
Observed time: {"hour": 8, "minute": 46}
